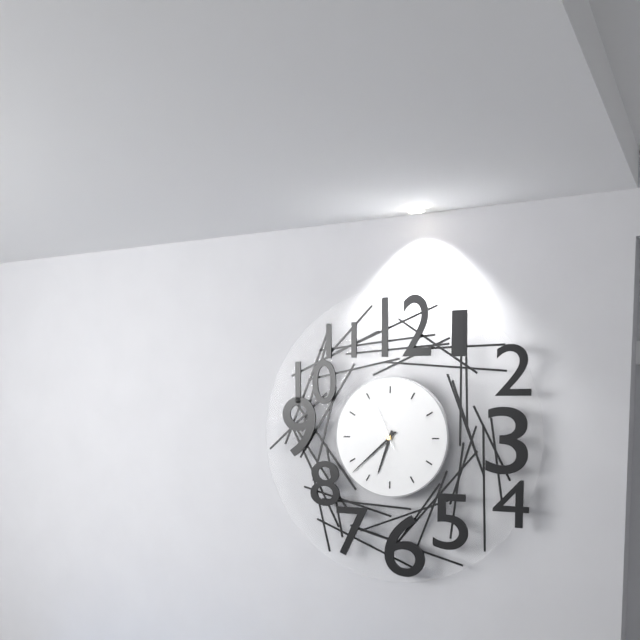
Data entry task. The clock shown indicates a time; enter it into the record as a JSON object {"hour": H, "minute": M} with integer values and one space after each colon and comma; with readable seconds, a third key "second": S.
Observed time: {"hour": 6, "minute": 38, "second": 56}
